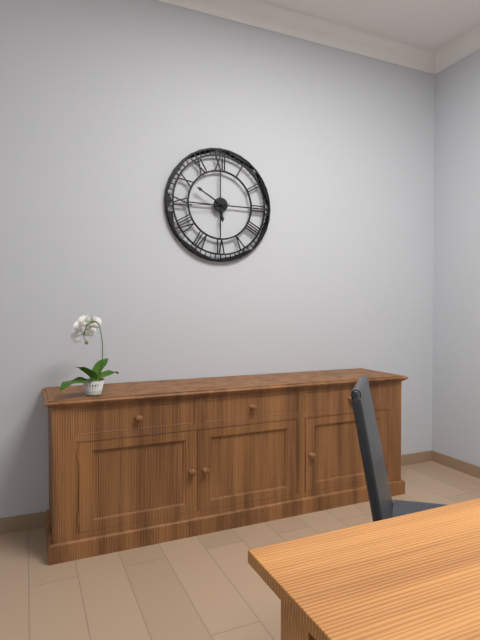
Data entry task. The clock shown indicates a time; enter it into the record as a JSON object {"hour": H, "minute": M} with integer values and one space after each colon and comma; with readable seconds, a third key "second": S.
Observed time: {"hour": 5, "minute": 50}
